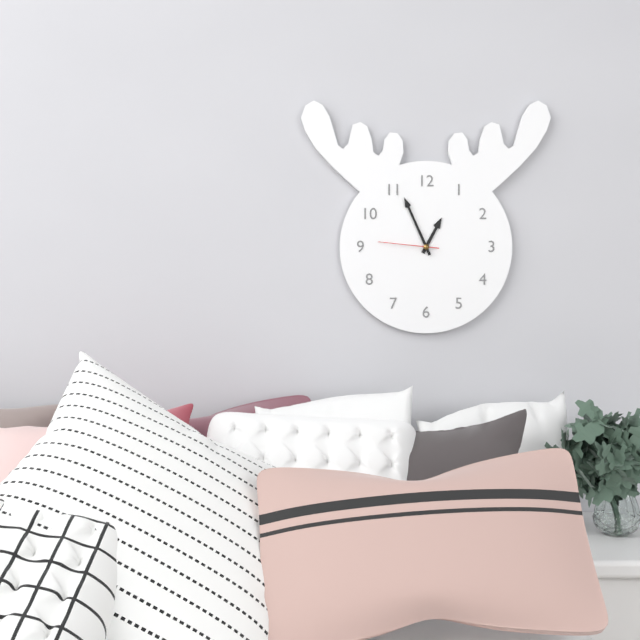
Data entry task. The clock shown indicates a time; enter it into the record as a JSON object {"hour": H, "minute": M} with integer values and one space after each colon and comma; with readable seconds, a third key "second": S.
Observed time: {"hour": 12, "minute": 56, "second": 46}
